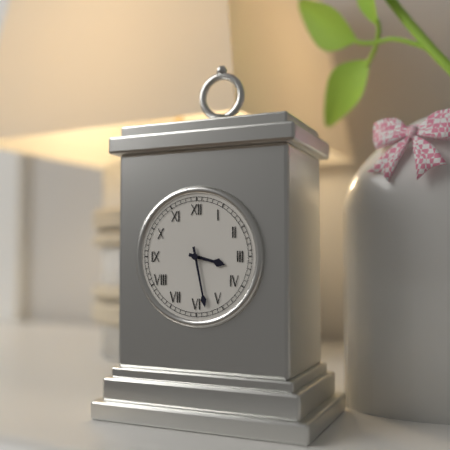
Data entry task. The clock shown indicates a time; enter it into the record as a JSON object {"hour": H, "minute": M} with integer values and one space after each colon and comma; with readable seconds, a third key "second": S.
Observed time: {"hour": 3, "minute": 28}
